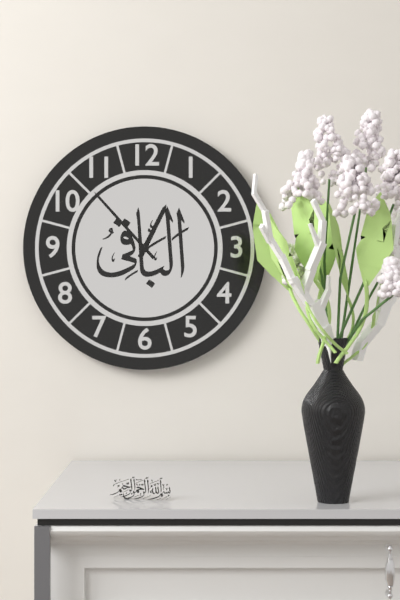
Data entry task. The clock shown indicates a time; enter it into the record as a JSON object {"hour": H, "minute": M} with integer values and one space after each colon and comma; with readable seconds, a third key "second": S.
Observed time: {"hour": 12, "minute": 53}
